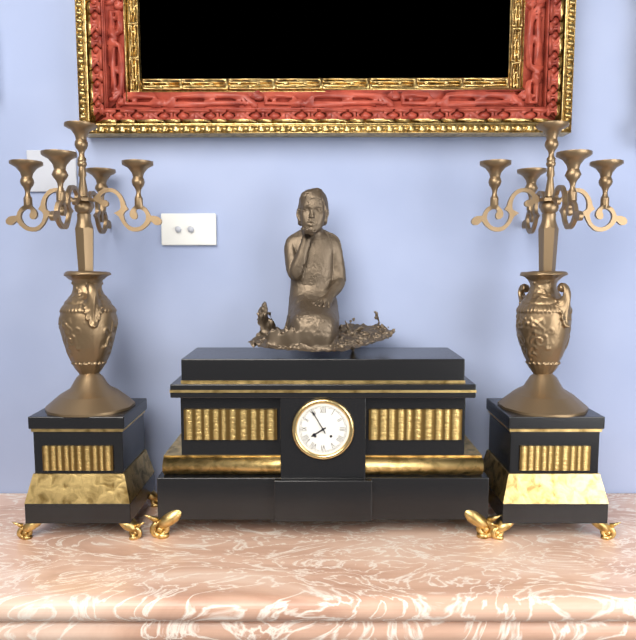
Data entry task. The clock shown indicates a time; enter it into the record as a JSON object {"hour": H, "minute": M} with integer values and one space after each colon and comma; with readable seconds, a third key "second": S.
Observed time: {"hour": 7, "minute": 55}
